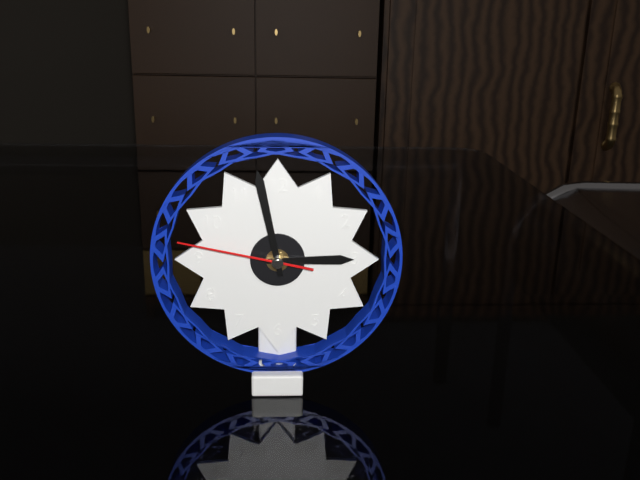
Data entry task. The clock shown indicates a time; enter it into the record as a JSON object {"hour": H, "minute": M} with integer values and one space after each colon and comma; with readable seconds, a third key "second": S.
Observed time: {"hour": 2, "minute": 58, "second": 47}
